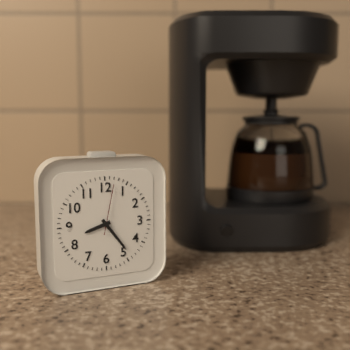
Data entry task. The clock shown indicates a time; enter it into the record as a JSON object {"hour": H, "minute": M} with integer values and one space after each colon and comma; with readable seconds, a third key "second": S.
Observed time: {"hour": 8, "minute": 24, "second": 2}
